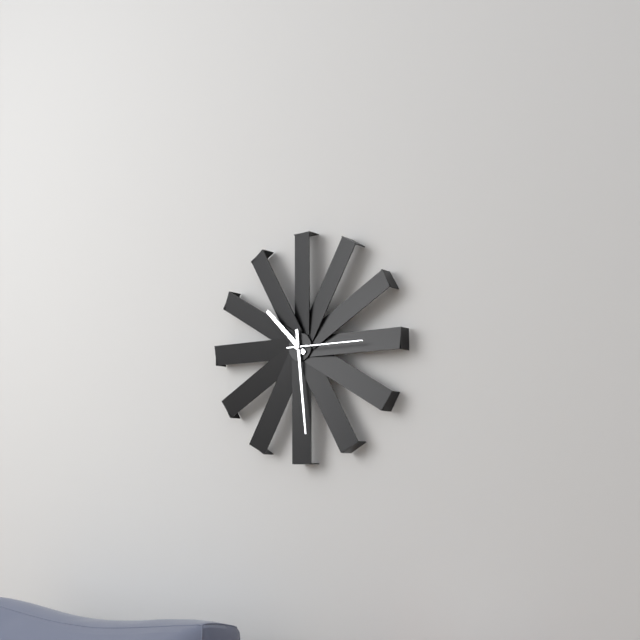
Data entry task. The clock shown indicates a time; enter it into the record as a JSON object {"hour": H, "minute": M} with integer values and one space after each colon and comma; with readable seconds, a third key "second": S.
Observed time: {"hour": 10, "minute": 29, "second": 15}
